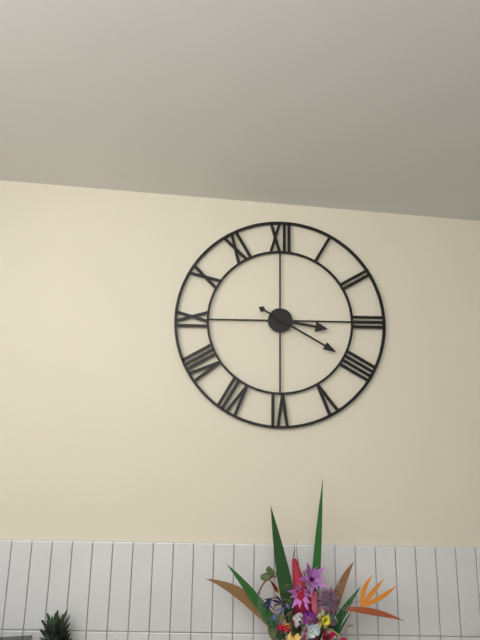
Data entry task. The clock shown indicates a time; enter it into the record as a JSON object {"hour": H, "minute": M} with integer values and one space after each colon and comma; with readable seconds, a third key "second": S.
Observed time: {"hour": 3, "minute": 20}
